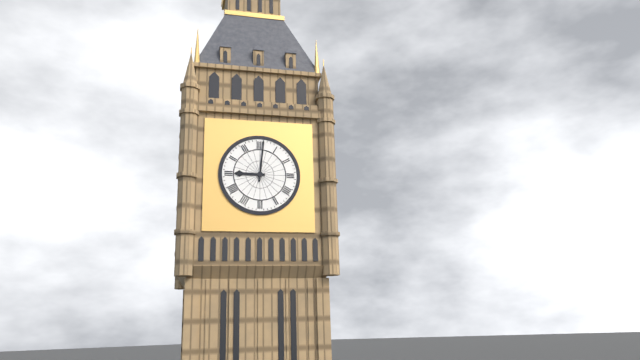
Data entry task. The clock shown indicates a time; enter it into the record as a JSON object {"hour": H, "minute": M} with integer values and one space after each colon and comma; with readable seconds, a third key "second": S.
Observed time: {"hour": 9, "minute": 1}
